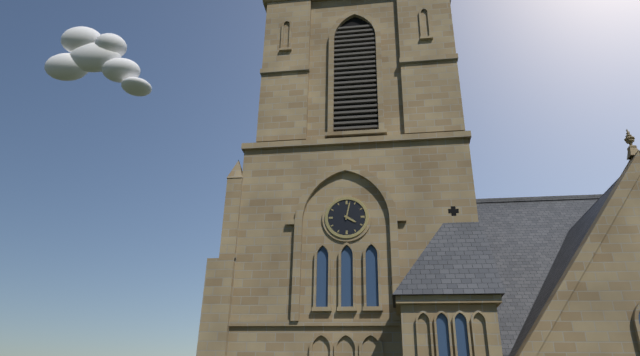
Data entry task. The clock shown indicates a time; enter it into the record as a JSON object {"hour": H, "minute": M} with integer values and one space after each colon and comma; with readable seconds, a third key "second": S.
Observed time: {"hour": 4, "minute": 2}
